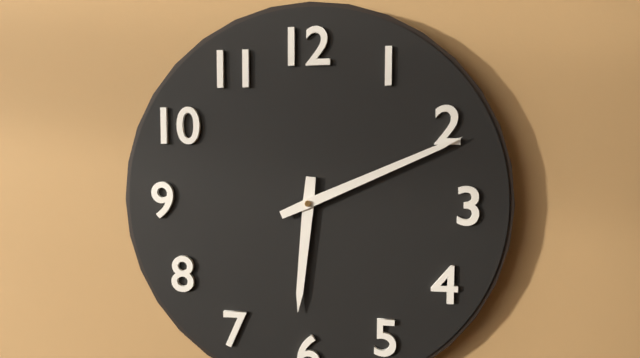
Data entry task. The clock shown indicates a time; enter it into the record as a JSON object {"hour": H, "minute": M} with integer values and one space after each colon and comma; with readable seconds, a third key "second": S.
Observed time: {"hour": 6, "minute": 11}
